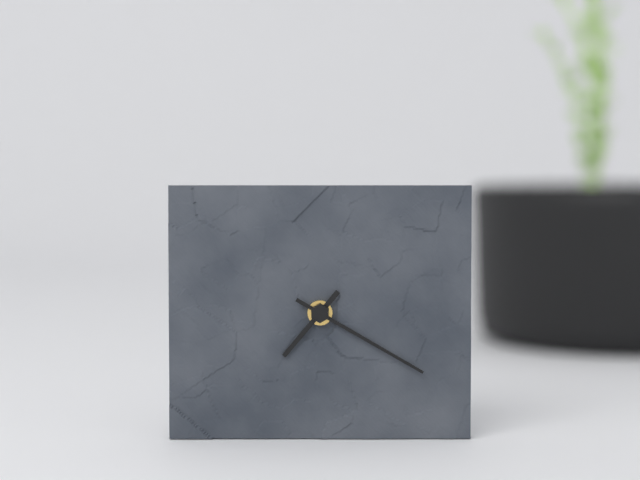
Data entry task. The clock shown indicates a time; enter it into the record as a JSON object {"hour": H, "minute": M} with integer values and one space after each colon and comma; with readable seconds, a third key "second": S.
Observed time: {"hour": 7, "minute": 20}
